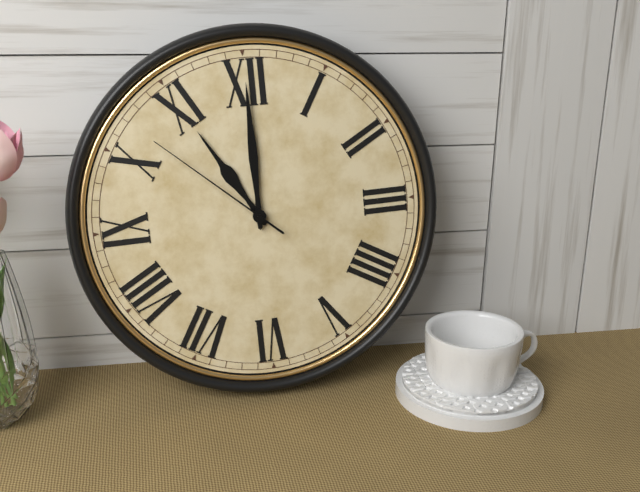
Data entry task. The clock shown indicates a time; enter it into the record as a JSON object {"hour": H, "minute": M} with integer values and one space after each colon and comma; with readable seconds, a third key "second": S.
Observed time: {"hour": 11, "minute": 0, "second": 52}
